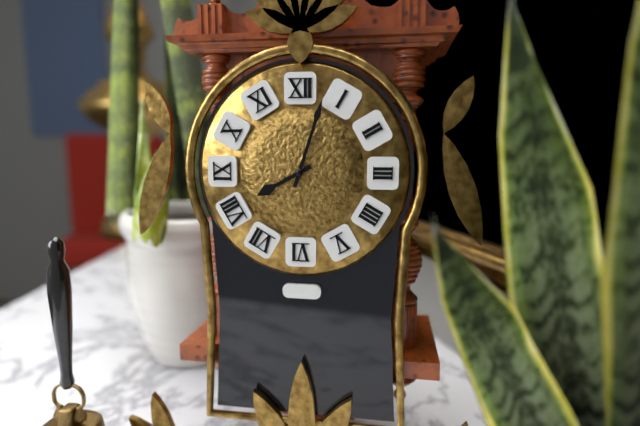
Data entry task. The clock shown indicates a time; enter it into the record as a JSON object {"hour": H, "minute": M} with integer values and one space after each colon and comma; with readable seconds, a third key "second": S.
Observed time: {"hour": 8, "minute": 3}
